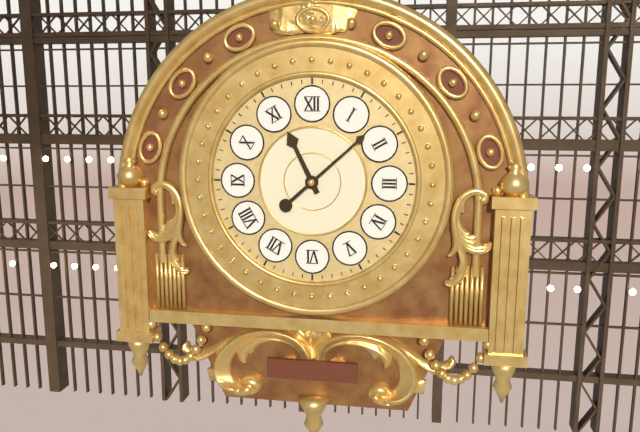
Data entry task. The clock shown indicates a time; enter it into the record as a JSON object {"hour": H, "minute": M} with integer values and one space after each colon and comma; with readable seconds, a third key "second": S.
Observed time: {"hour": 11, "minute": 8}
